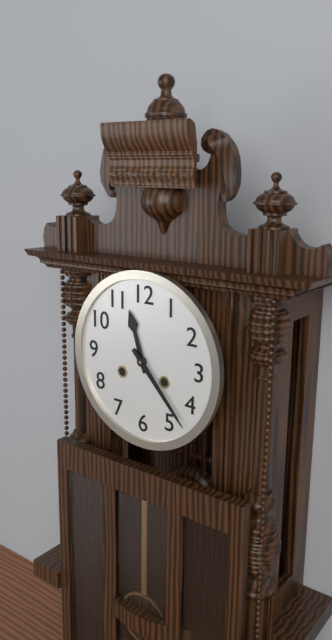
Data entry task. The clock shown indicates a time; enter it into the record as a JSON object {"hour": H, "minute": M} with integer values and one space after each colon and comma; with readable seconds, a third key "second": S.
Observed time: {"hour": 11, "minute": 23}
